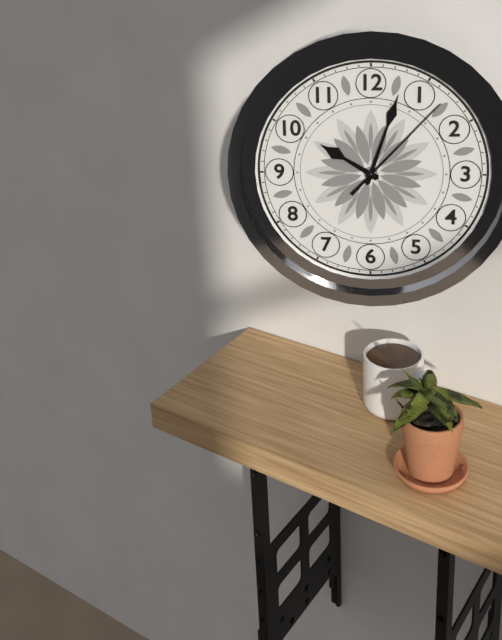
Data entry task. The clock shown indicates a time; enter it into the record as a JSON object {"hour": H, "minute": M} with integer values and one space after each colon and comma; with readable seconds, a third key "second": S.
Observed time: {"hour": 10, "minute": 3, "second": 7}
